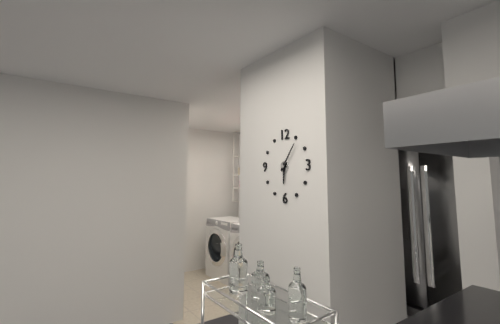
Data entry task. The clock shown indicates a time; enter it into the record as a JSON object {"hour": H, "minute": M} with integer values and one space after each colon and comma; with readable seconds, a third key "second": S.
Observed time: {"hour": 6, "minute": 6}
